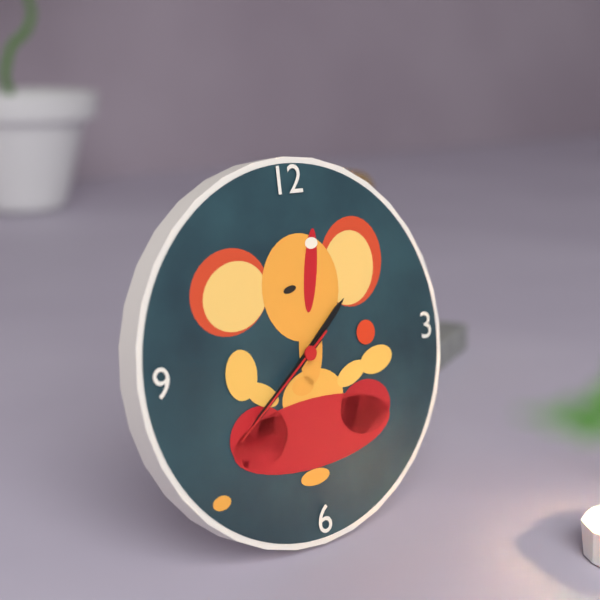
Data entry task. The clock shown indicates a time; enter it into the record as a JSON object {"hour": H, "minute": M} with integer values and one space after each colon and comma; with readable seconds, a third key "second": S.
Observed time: {"hour": 1, "minute": 39, "second": 39}
